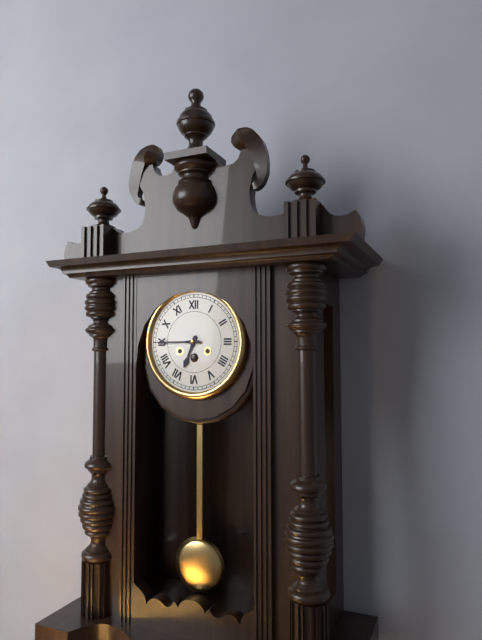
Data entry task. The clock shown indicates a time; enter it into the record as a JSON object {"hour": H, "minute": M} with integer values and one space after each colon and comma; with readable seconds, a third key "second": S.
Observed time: {"hour": 6, "minute": 45}
